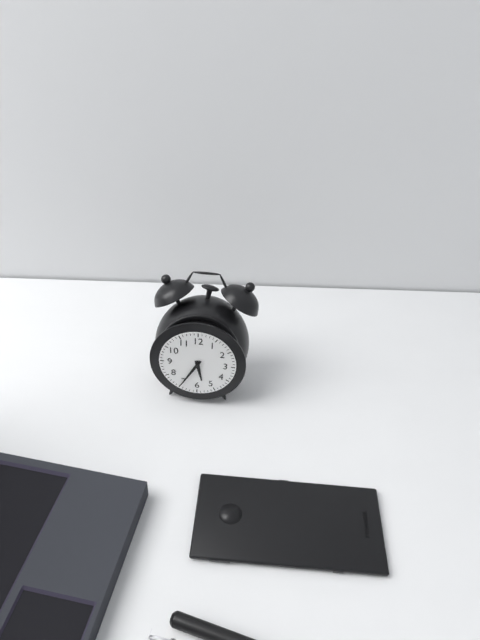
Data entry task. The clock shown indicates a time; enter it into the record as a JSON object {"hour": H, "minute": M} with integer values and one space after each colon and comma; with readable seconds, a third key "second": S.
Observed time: {"hour": 5, "minute": 35}
